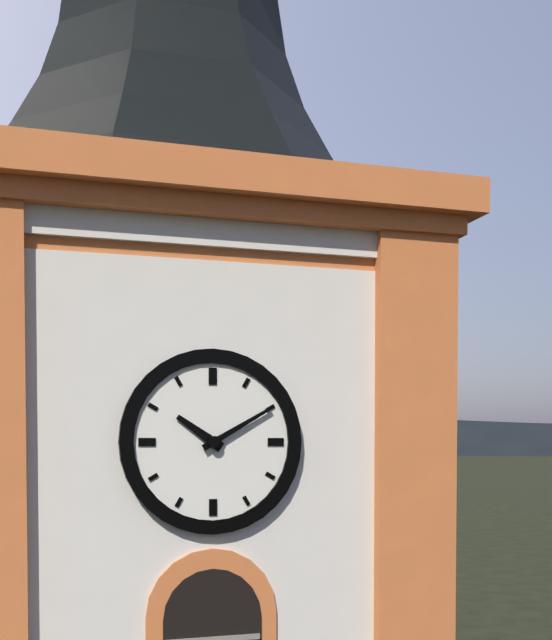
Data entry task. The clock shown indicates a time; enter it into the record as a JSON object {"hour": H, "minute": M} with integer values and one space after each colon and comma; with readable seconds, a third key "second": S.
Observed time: {"hour": 10, "minute": 10}
